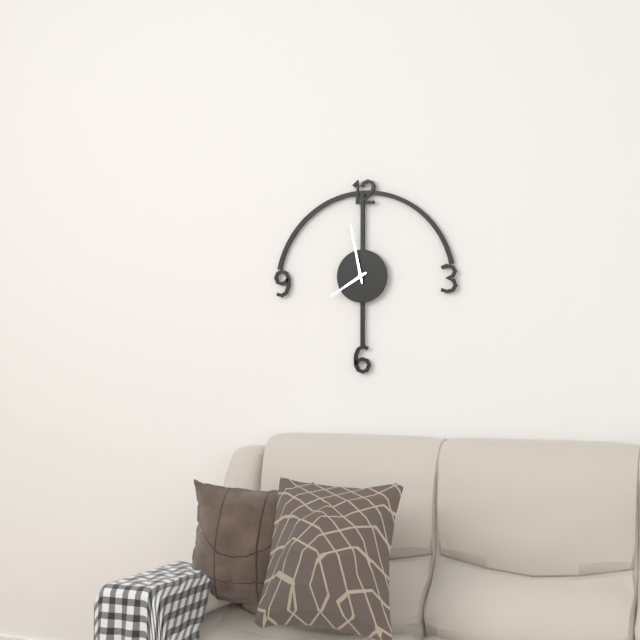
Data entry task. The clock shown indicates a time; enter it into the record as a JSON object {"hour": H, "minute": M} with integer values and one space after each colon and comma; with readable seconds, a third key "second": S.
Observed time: {"hour": 7, "minute": 58}
